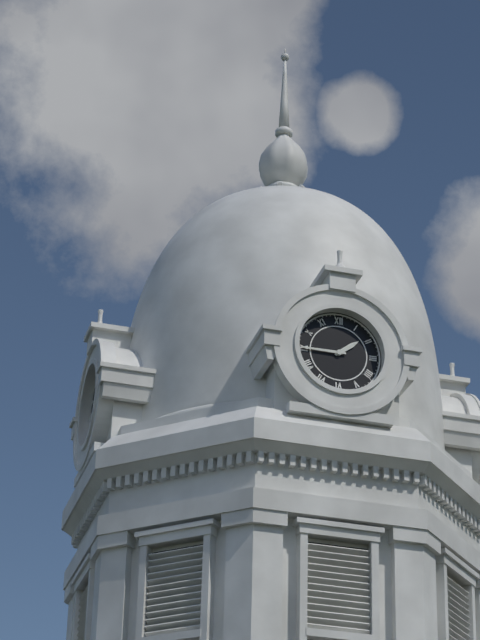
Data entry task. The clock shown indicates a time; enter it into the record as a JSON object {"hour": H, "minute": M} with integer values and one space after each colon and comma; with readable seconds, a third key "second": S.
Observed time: {"hour": 1, "minute": 45}
